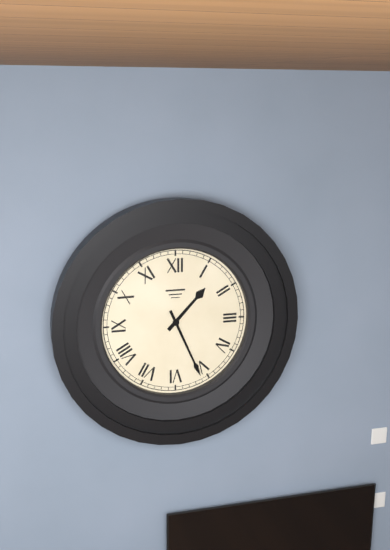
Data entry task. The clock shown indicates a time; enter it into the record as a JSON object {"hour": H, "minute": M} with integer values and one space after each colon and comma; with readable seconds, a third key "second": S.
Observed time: {"hour": 1, "minute": 26}
